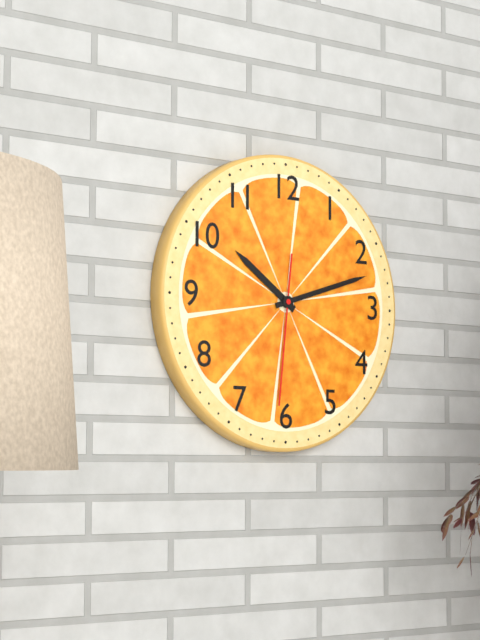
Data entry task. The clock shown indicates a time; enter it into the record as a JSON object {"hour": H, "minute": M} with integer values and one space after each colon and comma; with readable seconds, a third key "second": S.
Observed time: {"hour": 10, "minute": 12, "second": 31}
